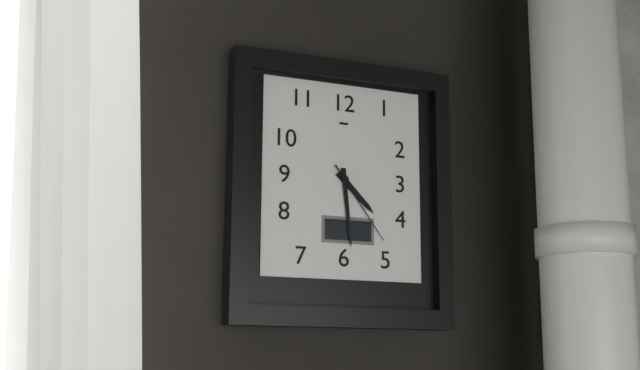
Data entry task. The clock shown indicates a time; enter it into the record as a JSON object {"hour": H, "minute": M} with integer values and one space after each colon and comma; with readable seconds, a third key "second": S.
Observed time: {"hour": 4, "minute": 29, "second": 24}
